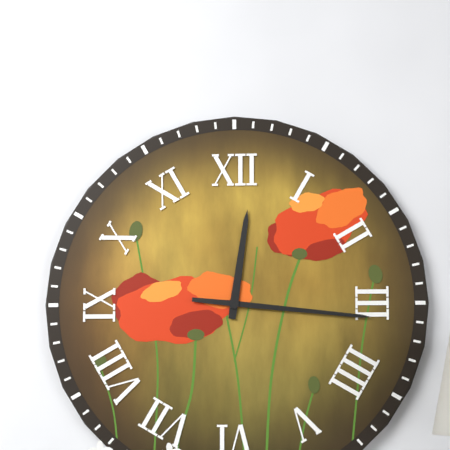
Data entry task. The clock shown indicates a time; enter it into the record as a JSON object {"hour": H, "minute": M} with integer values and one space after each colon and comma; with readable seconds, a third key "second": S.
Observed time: {"hour": 12, "minute": 16}
